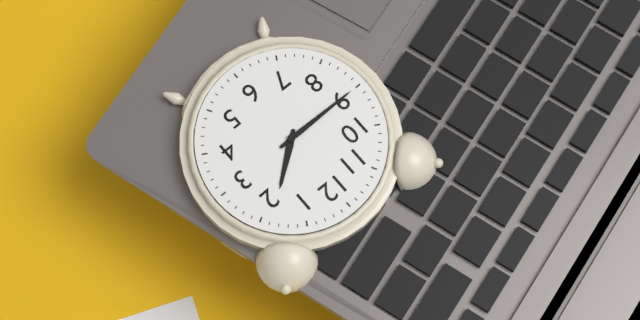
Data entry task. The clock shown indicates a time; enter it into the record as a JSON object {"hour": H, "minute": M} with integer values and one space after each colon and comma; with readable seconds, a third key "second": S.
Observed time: {"hour": 1, "minute": 45}
